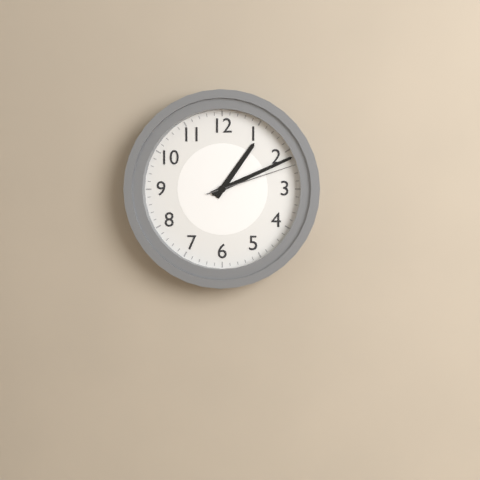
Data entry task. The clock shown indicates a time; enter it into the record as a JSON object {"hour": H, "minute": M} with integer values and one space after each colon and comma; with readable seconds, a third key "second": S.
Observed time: {"hour": 1, "minute": 11, "second": 12}
